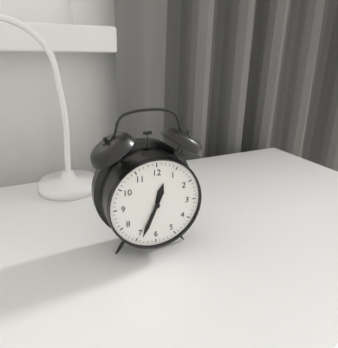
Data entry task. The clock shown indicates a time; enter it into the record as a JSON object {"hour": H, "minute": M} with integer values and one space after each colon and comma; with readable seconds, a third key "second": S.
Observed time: {"hour": 12, "minute": 34}
